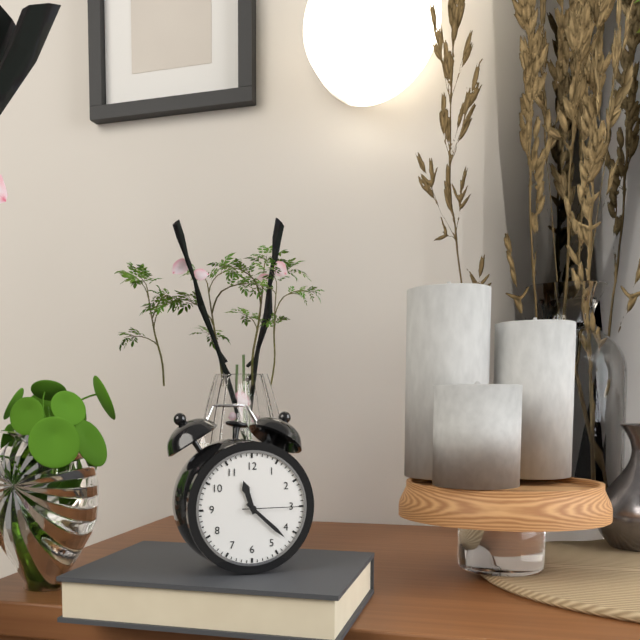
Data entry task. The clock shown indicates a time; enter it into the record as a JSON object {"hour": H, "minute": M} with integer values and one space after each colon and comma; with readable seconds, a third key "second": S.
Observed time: {"hour": 11, "minute": 22, "second": 15}
